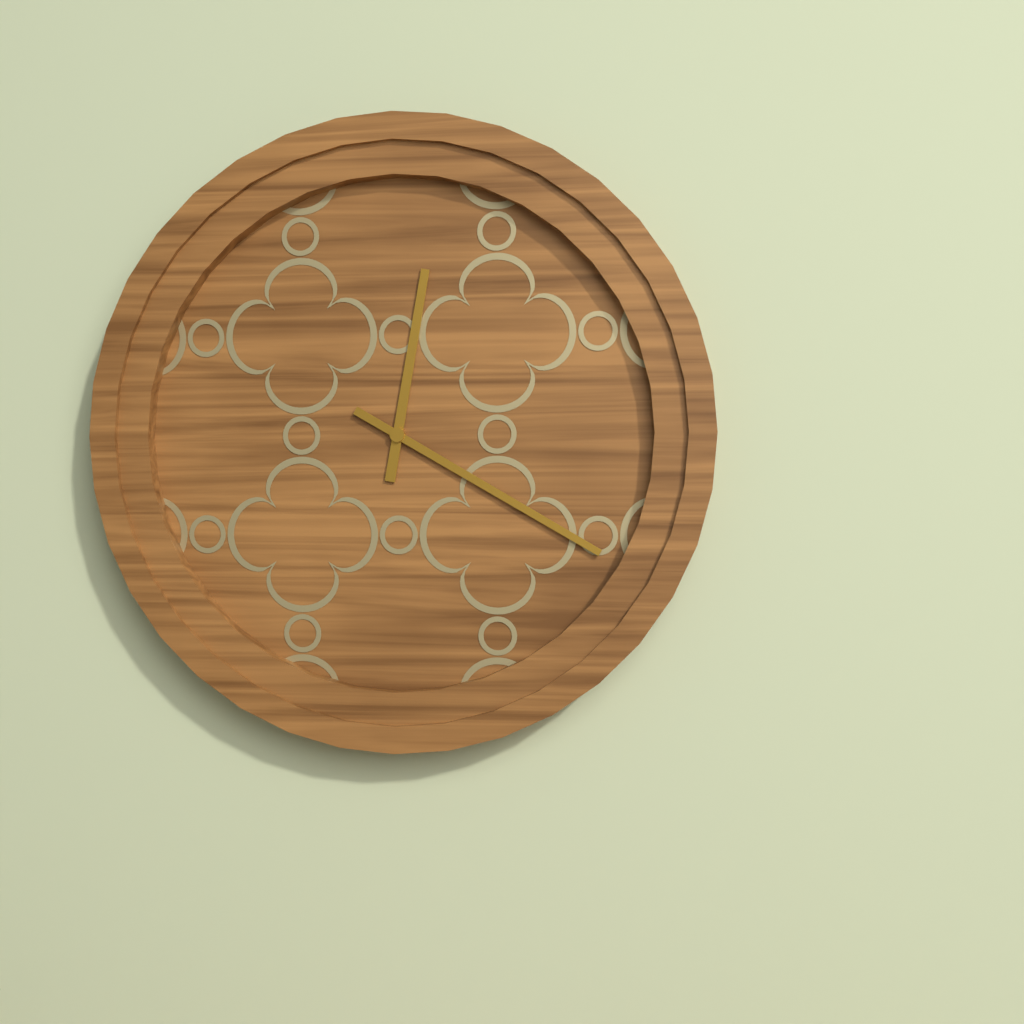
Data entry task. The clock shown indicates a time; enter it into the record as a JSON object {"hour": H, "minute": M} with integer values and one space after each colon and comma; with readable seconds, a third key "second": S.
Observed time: {"hour": 12, "minute": 20}
